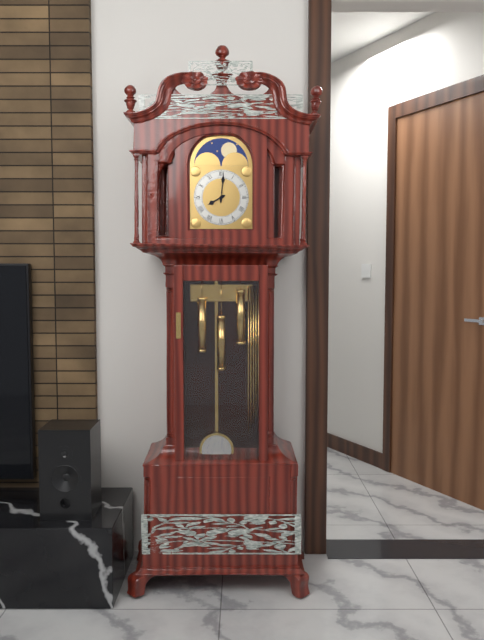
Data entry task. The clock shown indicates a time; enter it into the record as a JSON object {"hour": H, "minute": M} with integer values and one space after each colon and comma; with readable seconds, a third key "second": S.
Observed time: {"hour": 8, "minute": 1}
